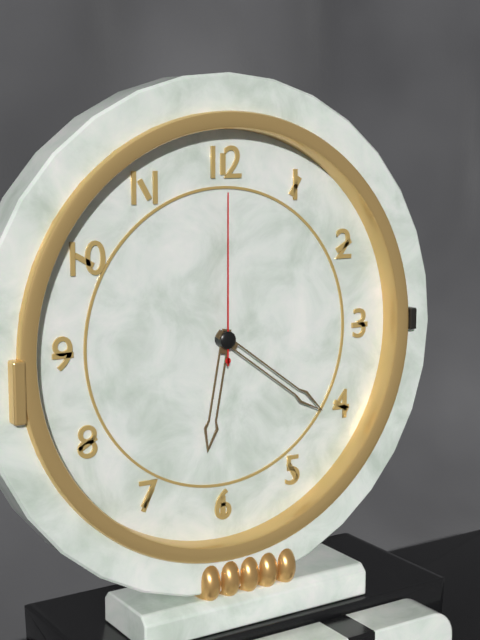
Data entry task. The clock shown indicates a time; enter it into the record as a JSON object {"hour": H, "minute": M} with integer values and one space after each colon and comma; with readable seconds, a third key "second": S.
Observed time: {"hour": 6, "minute": 21, "second": 0}
